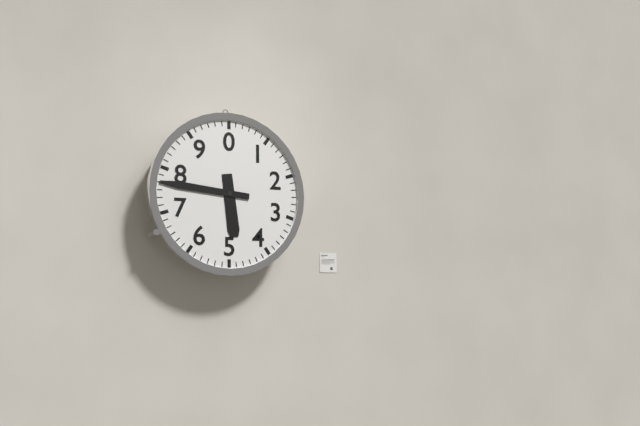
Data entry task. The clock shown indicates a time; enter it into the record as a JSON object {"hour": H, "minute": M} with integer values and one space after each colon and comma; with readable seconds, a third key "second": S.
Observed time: {"hour": 5, "minute": 46}
